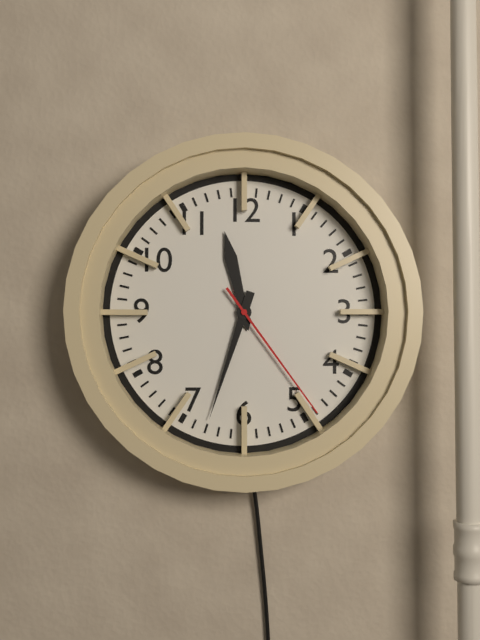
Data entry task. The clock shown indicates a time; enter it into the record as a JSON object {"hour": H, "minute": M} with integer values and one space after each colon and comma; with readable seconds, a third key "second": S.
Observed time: {"hour": 11, "minute": 33, "second": 24}
